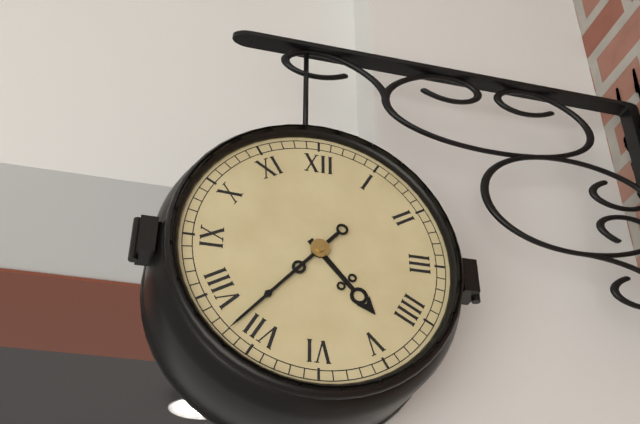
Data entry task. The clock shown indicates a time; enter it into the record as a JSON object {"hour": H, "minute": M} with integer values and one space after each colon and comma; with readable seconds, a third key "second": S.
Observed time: {"hour": 4, "minute": 37}
